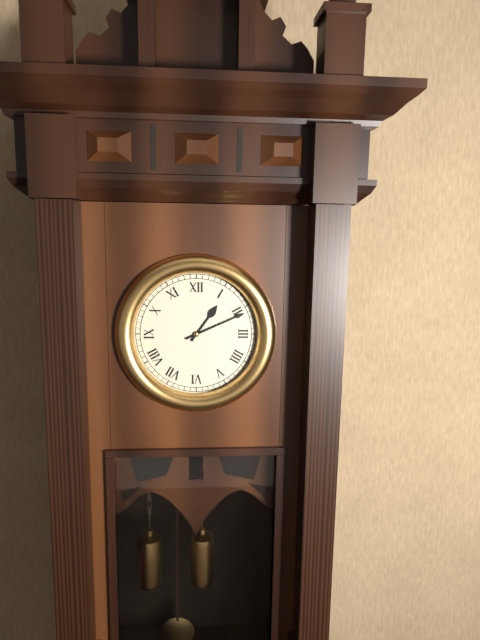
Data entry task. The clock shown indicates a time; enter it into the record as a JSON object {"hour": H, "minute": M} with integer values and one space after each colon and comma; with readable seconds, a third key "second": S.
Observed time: {"hour": 1, "minute": 11}
